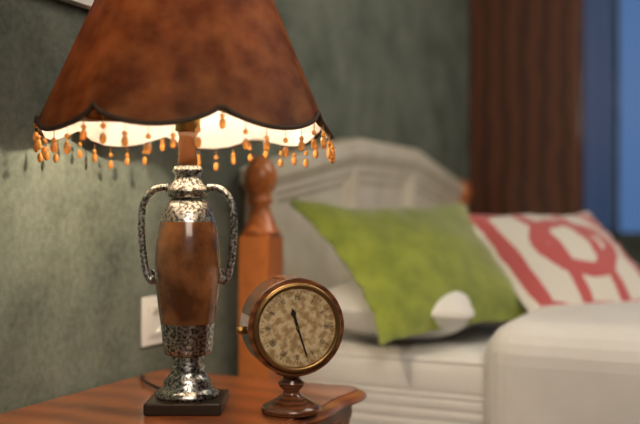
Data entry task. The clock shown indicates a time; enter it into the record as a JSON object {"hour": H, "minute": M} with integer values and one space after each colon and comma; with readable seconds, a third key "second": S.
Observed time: {"hour": 11, "minute": 27}
